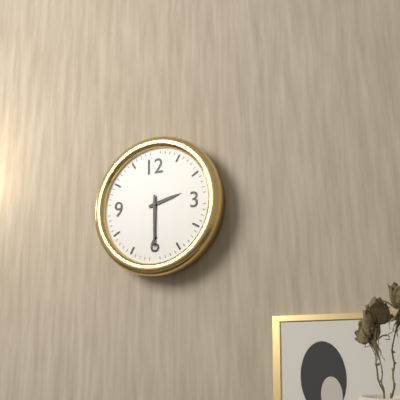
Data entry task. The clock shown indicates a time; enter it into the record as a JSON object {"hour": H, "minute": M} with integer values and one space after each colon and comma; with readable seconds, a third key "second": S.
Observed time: {"hour": 2, "minute": 30}
